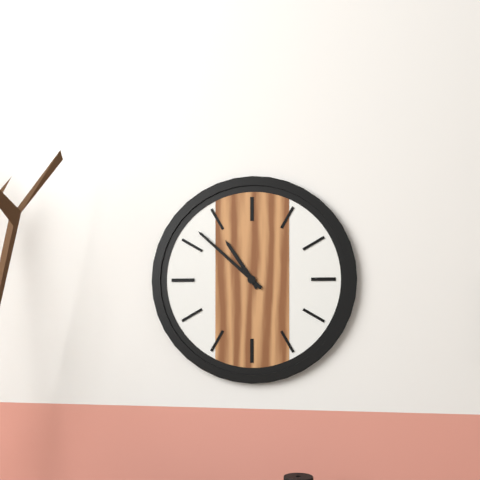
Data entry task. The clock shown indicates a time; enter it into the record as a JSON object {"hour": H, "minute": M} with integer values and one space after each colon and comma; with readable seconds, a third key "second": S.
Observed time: {"hour": 10, "minute": 52}
